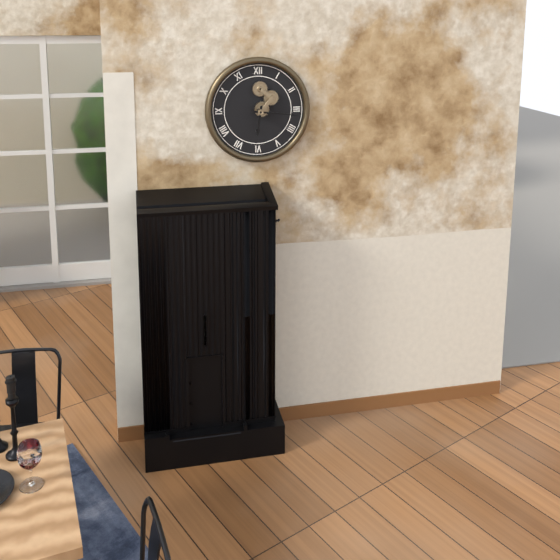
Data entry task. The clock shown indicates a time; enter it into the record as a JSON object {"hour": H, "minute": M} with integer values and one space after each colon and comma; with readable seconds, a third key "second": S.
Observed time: {"hour": 6, "minute": 16}
